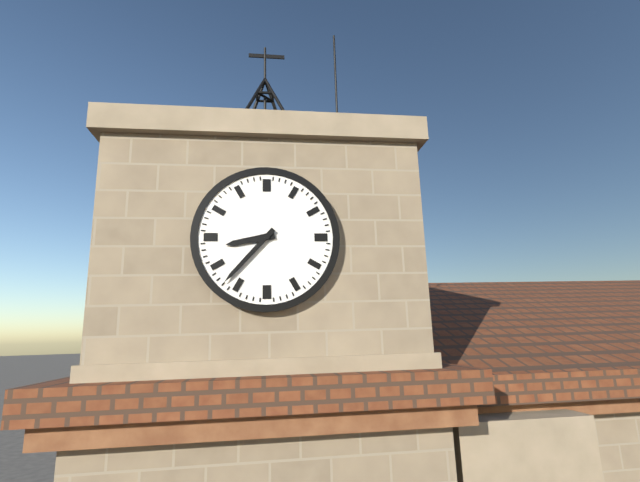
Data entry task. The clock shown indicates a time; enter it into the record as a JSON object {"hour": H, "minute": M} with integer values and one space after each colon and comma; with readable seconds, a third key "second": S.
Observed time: {"hour": 8, "minute": 37}
